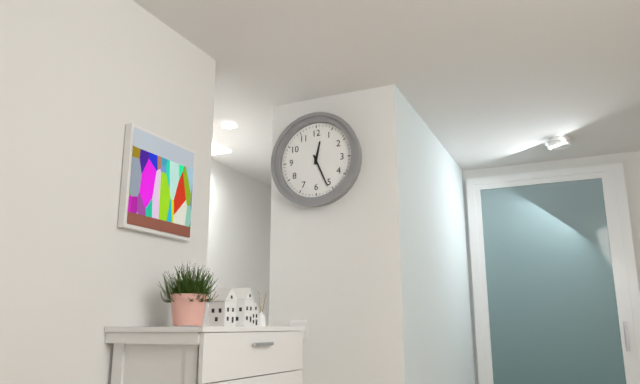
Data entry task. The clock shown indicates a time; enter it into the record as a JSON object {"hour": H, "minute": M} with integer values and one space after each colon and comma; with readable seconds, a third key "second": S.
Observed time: {"hour": 12, "minute": 26}
